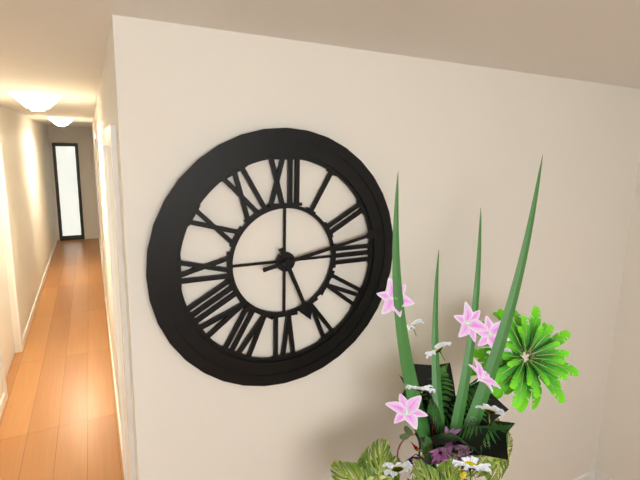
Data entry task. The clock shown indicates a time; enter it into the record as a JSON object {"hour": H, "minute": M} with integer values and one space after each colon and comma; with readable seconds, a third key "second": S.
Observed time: {"hour": 5, "minute": 13}
